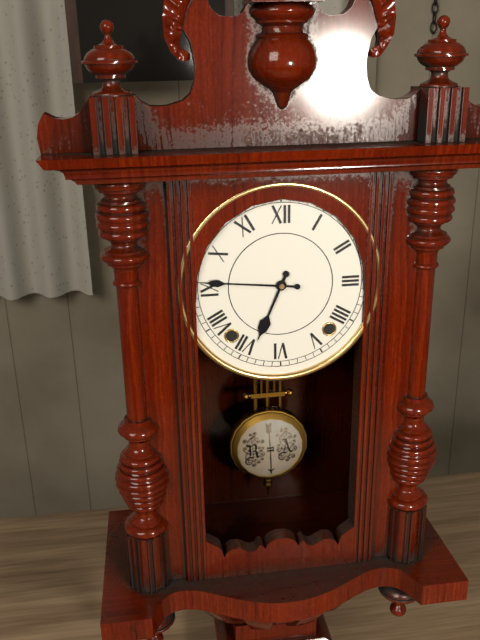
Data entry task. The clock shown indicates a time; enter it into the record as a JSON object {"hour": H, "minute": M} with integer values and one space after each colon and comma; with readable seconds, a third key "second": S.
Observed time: {"hour": 6, "minute": 46}
